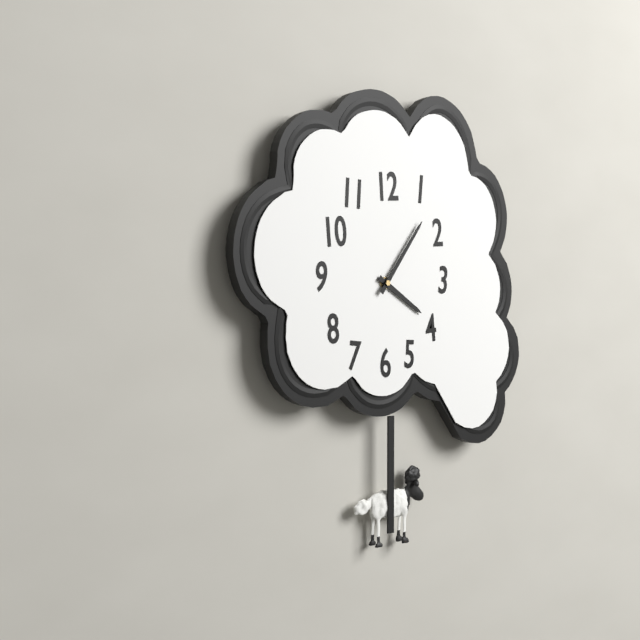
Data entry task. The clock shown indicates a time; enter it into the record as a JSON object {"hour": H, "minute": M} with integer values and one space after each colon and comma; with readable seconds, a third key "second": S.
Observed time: {"hour": 4, "minute": 6}
